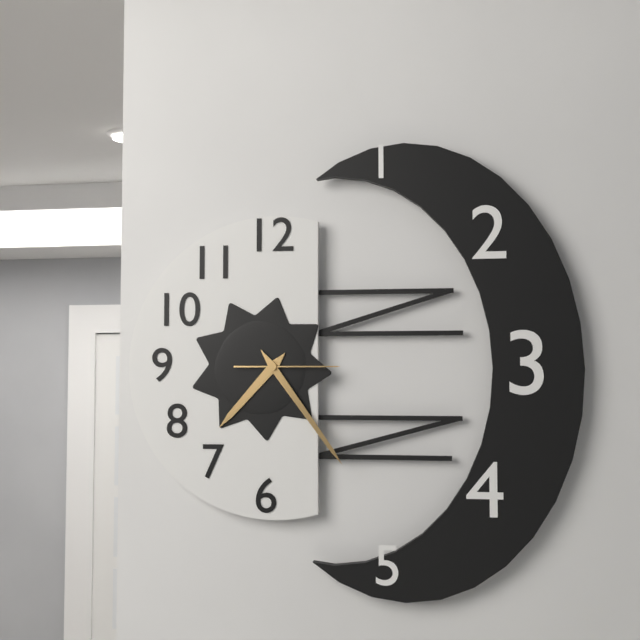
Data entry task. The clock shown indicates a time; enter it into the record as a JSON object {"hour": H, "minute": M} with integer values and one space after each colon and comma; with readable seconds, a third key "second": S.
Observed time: {"hour": 7, "minute": 24, "second": 15}
